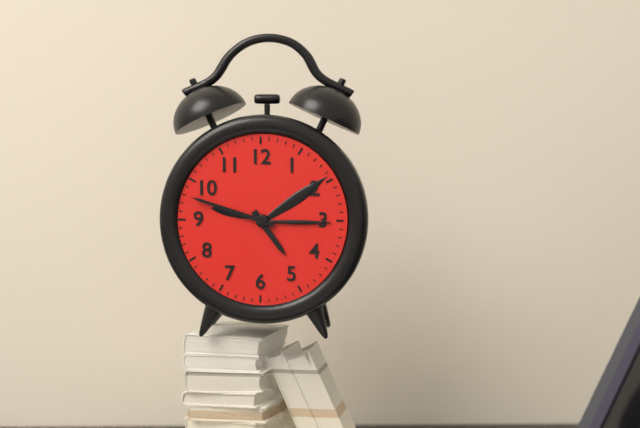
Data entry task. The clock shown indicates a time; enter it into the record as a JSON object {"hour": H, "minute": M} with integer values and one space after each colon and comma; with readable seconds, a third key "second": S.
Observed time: {"hour": 4, "minute": 48}
